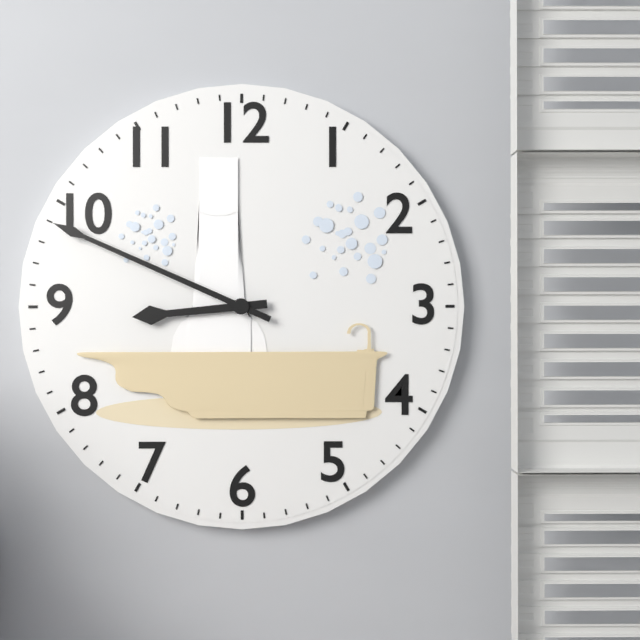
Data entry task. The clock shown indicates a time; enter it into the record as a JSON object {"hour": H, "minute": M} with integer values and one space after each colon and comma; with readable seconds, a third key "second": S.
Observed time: {"hour": 8, "minute": 49}
